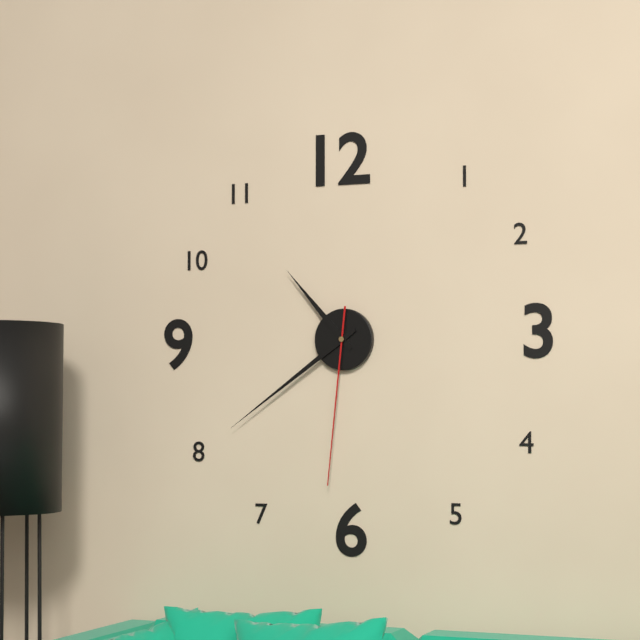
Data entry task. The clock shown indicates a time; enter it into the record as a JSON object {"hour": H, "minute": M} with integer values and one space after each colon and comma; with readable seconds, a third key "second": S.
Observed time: {"hour": 10, "minute": 39, "second": 31}
